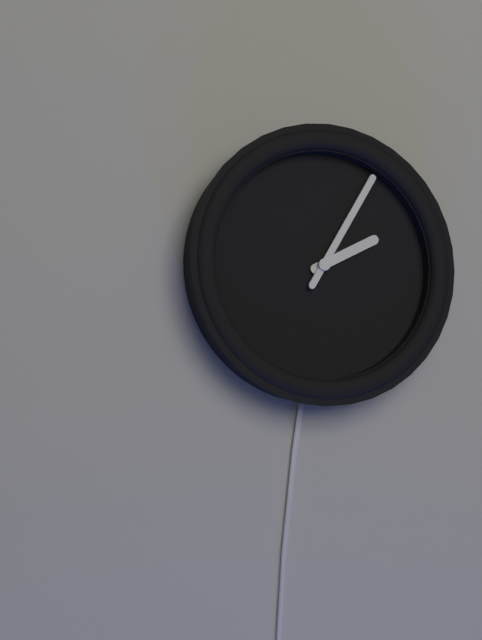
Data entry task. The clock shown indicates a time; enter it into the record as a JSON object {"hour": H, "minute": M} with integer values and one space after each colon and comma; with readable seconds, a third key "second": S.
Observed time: {"hour": 2, "minute": 5}
